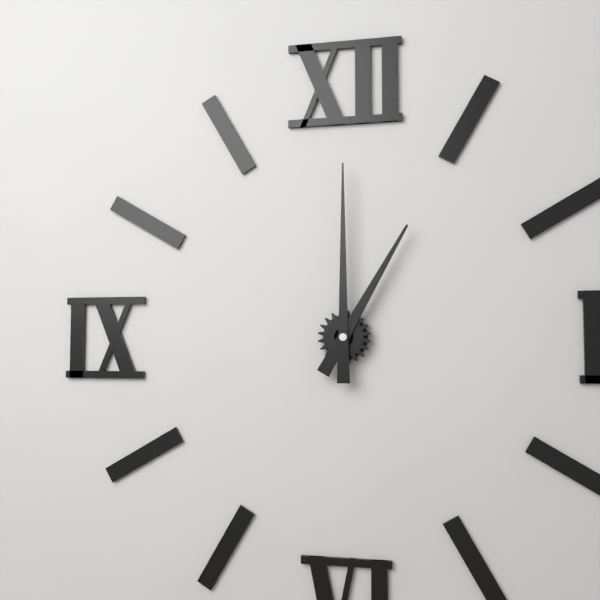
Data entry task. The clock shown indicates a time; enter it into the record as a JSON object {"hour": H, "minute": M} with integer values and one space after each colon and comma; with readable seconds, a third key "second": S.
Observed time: {"hour": 1, "minute": 0}
